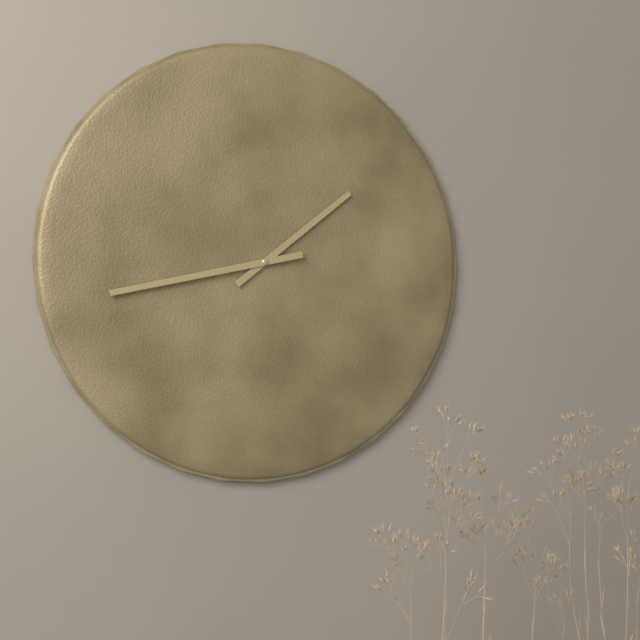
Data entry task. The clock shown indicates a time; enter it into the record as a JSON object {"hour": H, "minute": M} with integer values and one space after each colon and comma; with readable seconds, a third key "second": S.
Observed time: {"hour": 1, "minute": 43}
